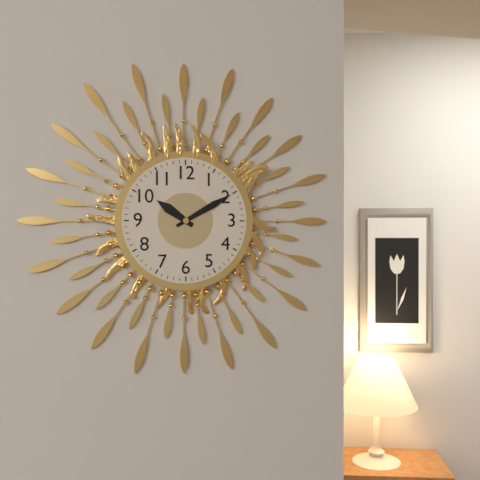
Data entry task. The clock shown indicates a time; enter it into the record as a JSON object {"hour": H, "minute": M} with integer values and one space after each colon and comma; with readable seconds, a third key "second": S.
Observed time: {"hour": 10, "minute": 10}
